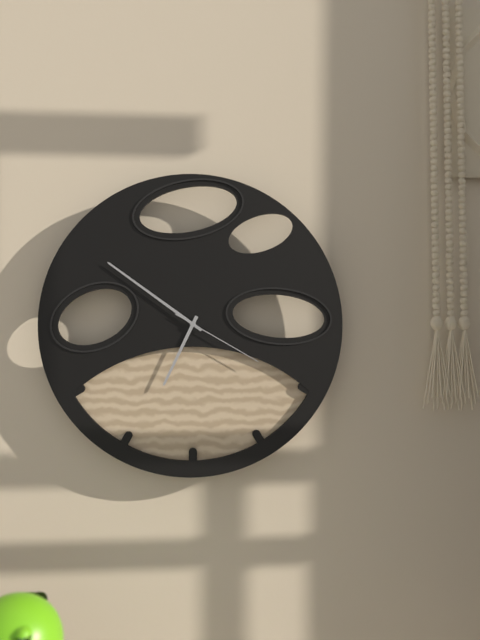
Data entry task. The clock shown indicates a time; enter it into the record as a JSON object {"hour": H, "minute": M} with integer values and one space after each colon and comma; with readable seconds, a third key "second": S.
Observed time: {"hour": 6, "minute": 51, "second": 20}
